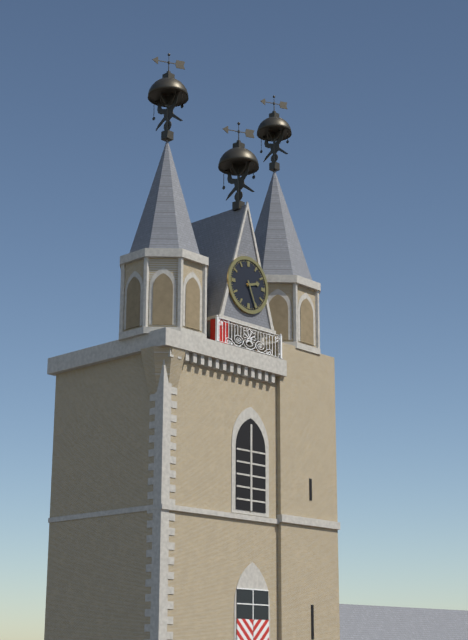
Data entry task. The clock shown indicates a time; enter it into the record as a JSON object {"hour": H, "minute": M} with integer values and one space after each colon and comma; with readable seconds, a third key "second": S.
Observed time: {"hour": 2, "minute": 26}
